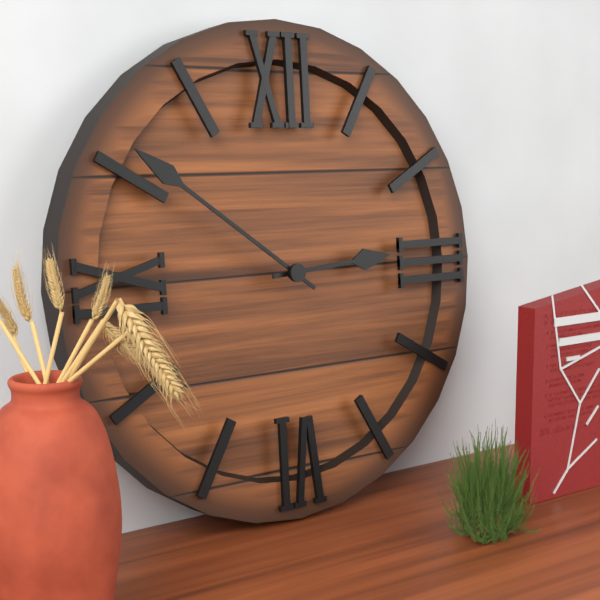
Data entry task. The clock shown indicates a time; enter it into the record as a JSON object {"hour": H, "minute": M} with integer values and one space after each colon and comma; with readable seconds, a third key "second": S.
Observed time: {"hour": 2, "minute": 51}
